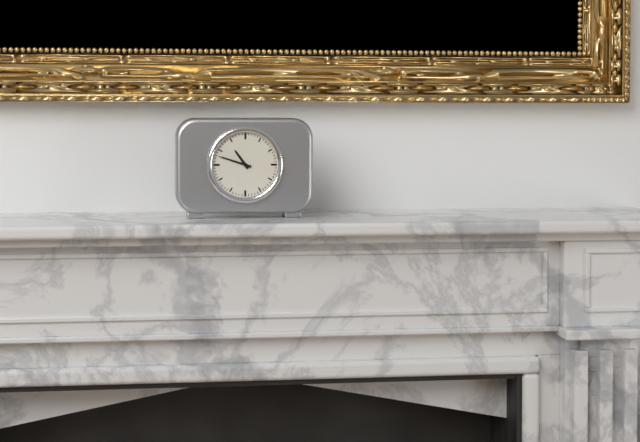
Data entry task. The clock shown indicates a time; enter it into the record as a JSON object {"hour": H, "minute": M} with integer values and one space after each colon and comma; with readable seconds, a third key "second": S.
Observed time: {"hour": 10, "minute": 48}
